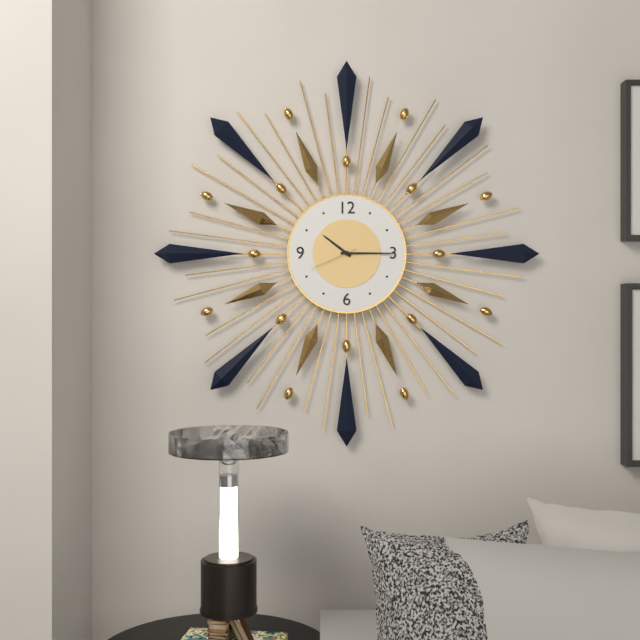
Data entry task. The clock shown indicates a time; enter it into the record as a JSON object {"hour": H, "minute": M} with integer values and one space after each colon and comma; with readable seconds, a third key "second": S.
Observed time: {"hour": 10, "minute": 15, "second": 41}
